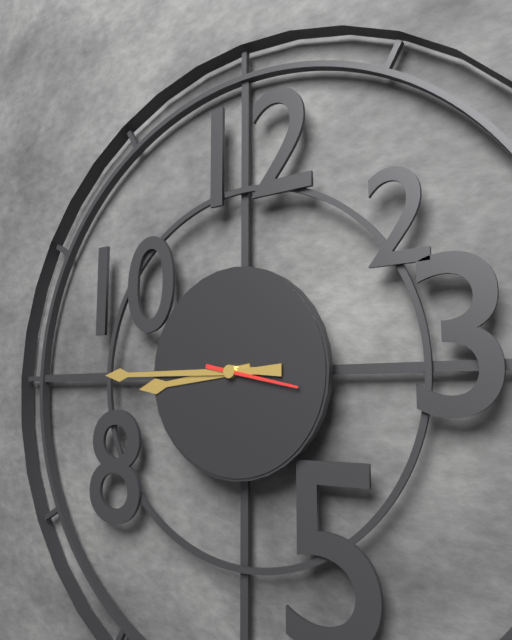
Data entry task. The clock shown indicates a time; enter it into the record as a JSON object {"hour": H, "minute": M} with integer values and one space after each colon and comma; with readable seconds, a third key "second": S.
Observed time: {"hour": 8, "minute": 45, "second": 17}
